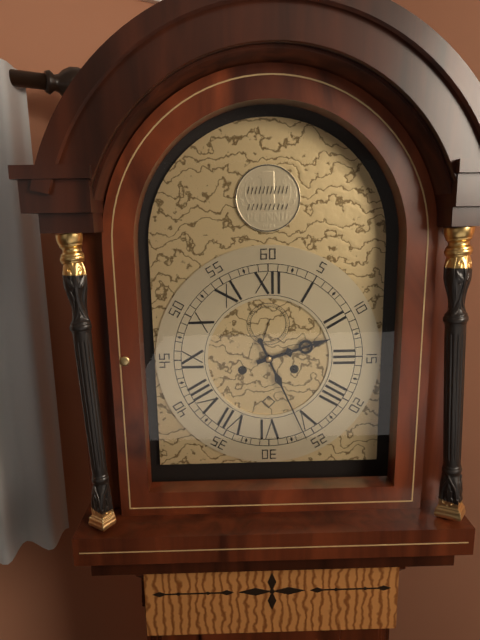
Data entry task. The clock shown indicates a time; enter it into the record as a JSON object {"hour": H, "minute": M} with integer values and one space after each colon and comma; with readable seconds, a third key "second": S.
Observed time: {"hour": 2, "minute": 26}
